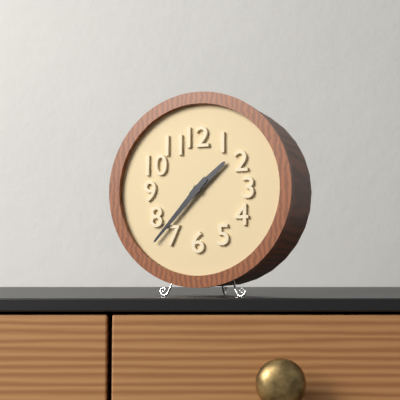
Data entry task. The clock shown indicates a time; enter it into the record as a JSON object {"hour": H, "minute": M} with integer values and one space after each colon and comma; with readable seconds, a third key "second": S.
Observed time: {"hour": 1, "minute": 37}
